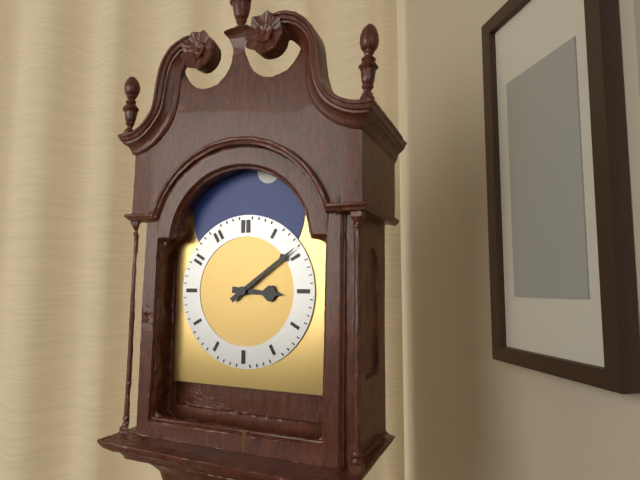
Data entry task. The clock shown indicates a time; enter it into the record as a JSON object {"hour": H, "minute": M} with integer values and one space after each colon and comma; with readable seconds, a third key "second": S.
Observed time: {"hour": 3, "minute": 9}
